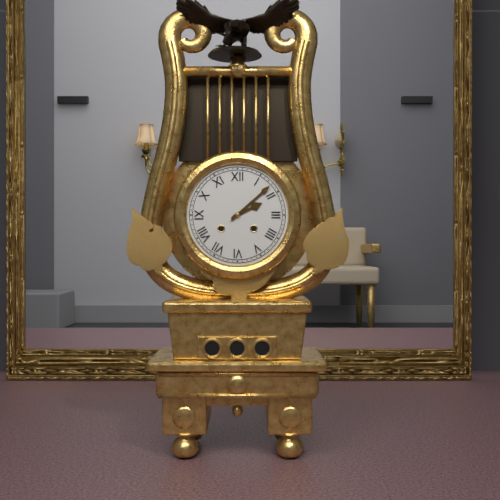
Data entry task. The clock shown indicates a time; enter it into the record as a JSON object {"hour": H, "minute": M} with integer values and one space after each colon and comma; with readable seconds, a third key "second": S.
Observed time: {"hour": 2, "minute": 8}
